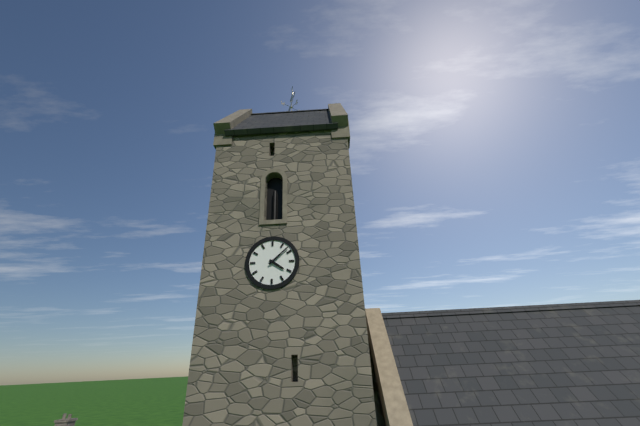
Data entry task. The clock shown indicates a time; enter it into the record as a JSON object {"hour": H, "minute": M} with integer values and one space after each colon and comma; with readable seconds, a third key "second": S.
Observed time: {"hour": 4, "minute": 8}
